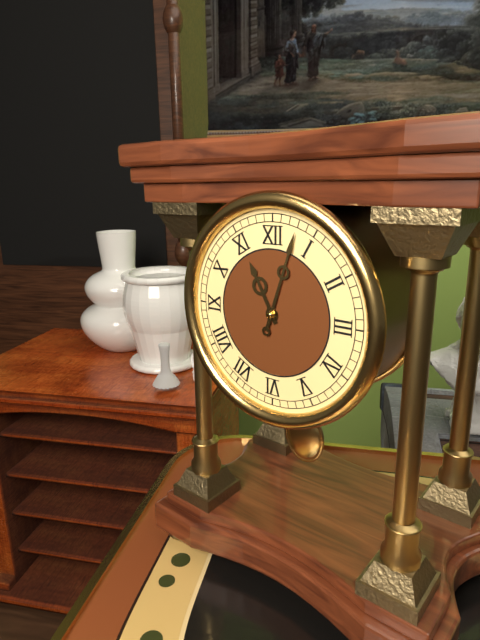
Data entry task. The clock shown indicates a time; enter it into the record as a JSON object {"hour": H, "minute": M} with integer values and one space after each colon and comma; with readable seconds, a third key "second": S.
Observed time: {"hour": 11, "minute": 3}
